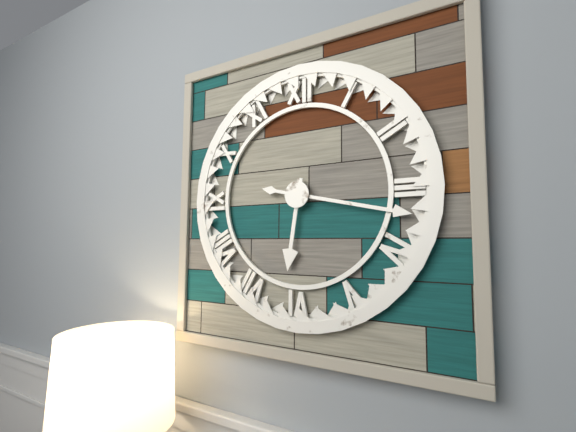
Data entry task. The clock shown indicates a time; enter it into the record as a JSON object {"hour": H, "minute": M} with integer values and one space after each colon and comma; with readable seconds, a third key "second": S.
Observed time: {"hour": 6, "minute": 17}
